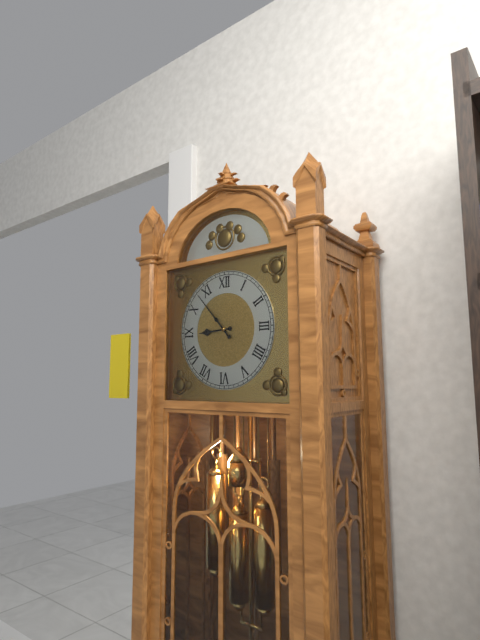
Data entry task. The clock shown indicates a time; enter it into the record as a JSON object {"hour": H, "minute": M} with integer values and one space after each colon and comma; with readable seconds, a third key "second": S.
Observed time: {"hour": 8, "minute": 53}
